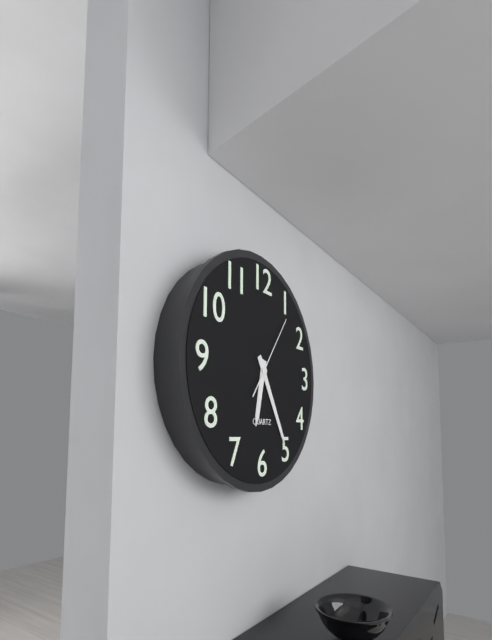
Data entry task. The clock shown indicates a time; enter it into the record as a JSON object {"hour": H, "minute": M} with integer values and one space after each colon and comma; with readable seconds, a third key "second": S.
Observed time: {"hour": 6, "minute": 25, "second": 6}
